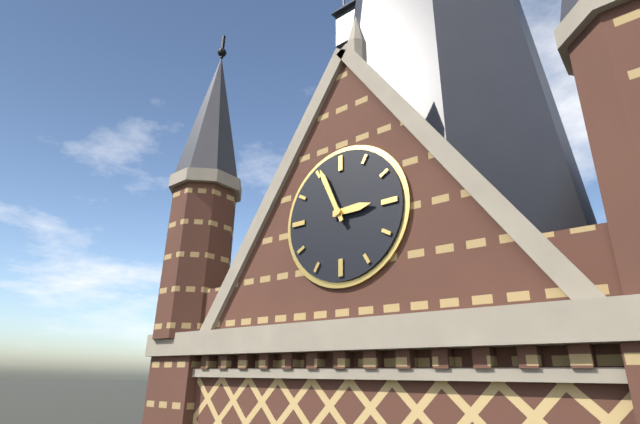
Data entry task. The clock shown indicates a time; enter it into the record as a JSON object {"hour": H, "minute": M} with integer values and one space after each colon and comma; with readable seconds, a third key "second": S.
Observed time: {"hour": 2, "minute": 56}
